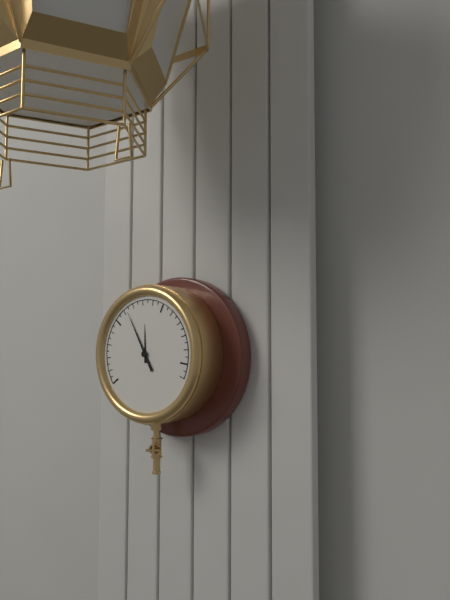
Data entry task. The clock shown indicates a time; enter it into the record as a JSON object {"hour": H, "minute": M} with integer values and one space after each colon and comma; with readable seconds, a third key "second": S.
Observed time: {"hour": 11, "minute": 55}
